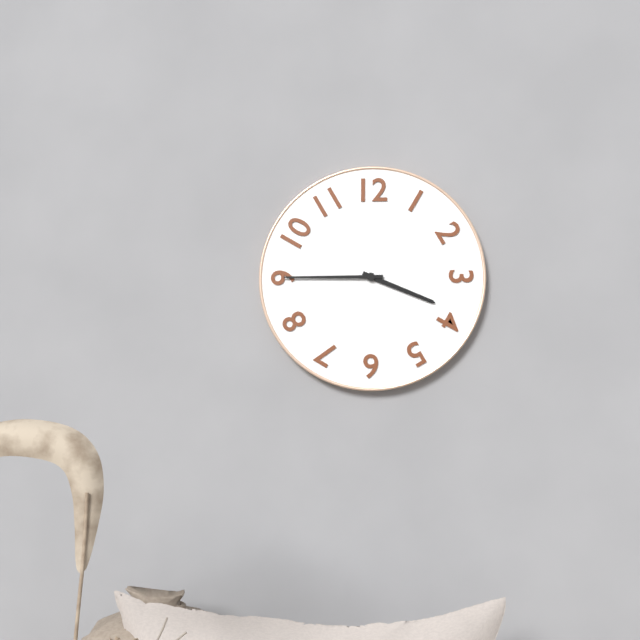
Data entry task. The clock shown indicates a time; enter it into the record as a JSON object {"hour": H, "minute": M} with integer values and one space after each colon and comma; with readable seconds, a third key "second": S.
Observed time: {"hour": 3, "minute": 45}
